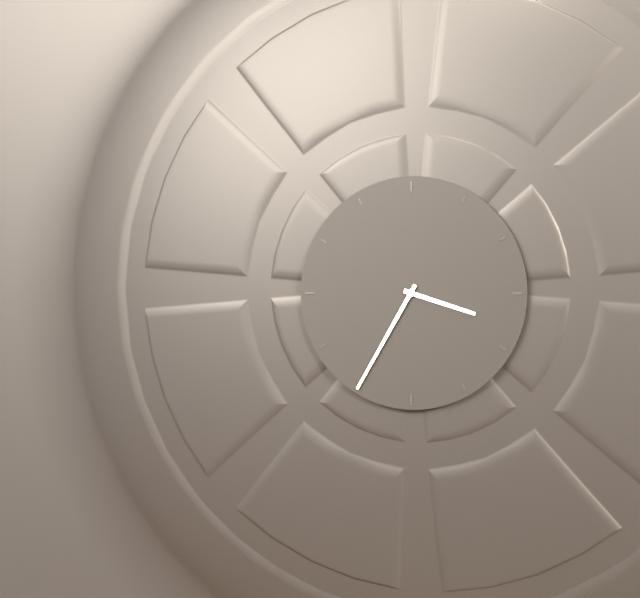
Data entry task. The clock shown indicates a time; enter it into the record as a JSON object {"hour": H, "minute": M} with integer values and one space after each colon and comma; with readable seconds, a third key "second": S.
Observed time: {"hour": 3, "minute": 35}
